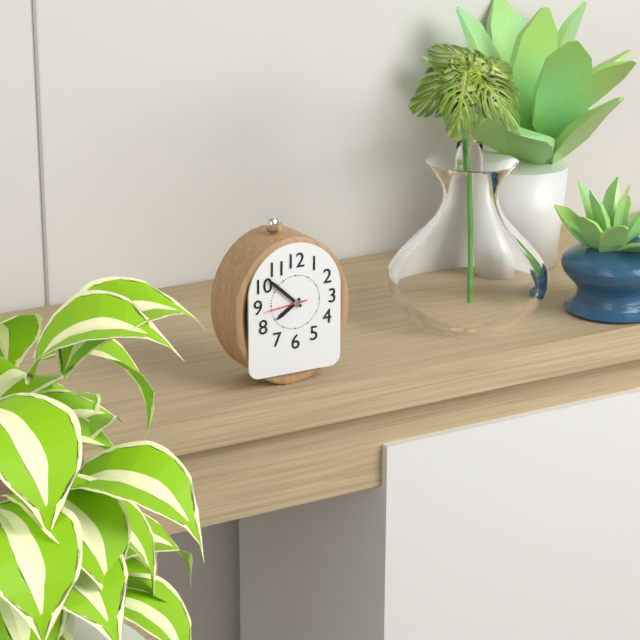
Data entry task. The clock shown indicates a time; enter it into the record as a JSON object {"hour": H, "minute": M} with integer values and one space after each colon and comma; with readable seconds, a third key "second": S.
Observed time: {"hour": 7, "minute": 52}
